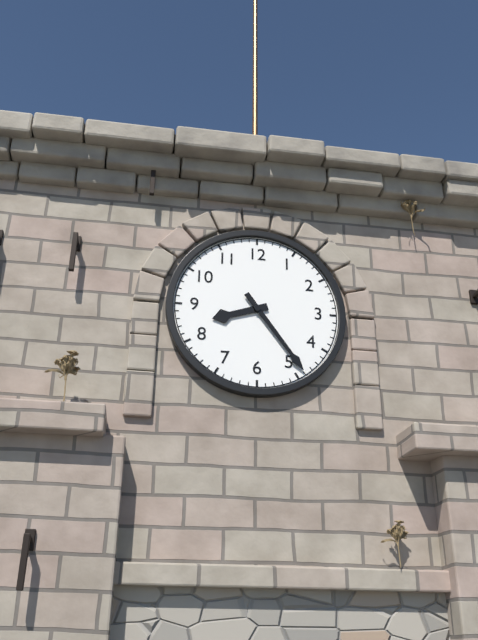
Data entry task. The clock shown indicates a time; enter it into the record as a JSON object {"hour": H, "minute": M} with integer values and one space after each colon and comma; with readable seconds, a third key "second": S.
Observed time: {"hour": 8, "minute": 24}
